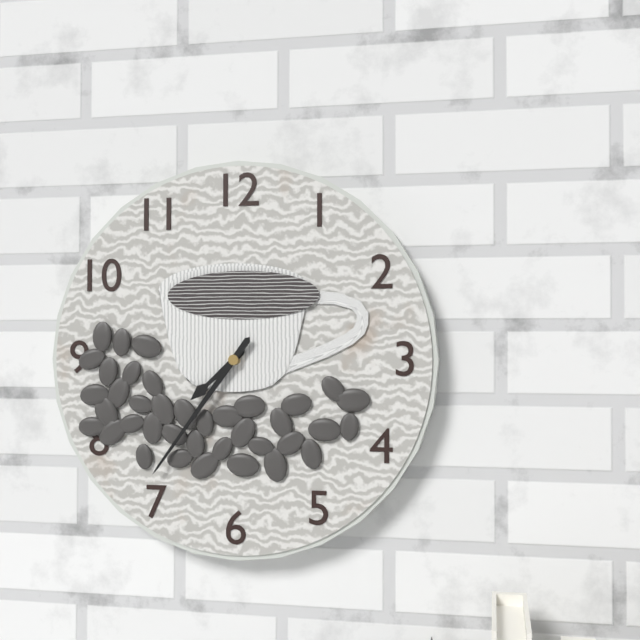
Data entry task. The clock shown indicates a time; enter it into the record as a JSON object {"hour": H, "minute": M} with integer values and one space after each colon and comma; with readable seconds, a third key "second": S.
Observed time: {"hour": 7, "minute": 36}
